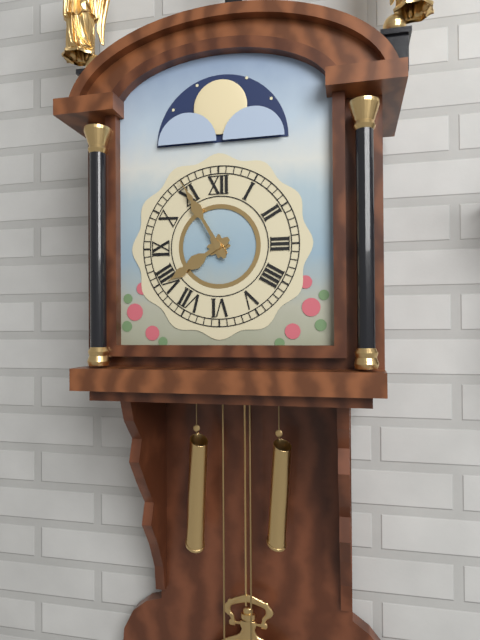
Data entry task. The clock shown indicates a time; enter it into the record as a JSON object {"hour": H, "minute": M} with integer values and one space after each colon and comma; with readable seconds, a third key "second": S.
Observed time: {"hour": 7, "minute": 55}
